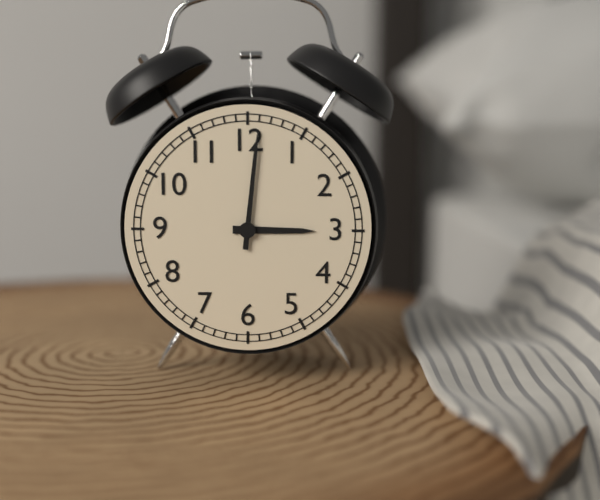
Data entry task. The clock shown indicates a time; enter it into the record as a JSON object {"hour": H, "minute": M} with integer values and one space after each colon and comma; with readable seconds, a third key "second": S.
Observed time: {"hour": 3, "minute": 1}
